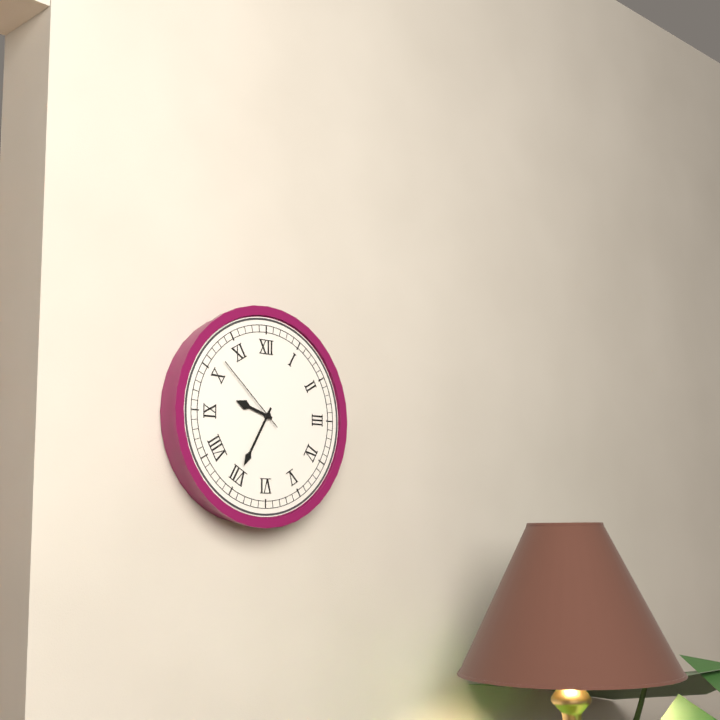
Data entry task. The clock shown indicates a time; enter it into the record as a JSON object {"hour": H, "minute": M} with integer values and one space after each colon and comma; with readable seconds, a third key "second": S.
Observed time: {"hour": 9, "minute": 35, "second": 52}
